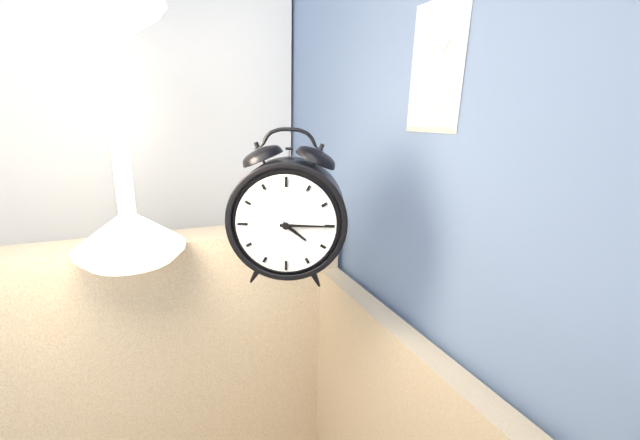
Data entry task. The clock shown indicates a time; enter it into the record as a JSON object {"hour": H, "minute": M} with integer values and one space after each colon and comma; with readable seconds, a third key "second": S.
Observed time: {"hour": 4, "minute": 15}
